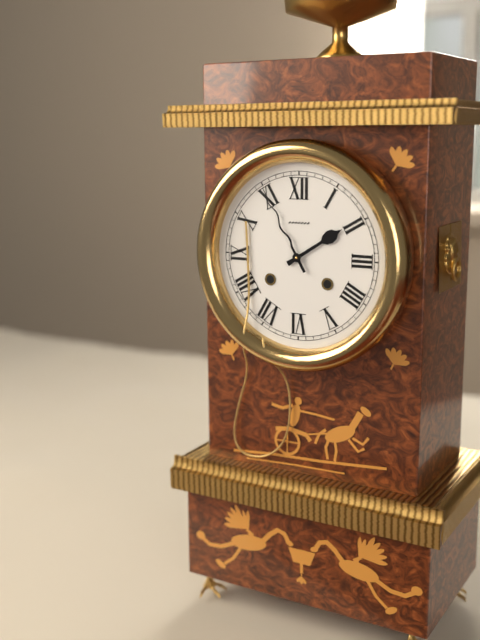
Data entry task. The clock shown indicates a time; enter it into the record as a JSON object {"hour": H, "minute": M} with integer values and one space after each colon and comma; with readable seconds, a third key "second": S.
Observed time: {"hour": 1, "minute": 55}
